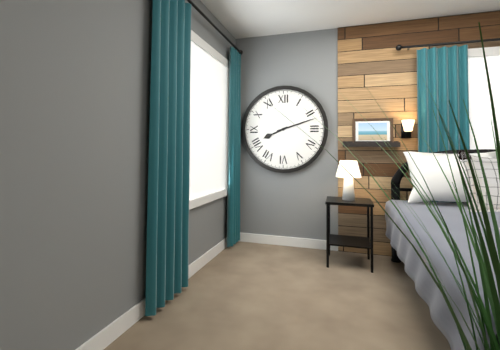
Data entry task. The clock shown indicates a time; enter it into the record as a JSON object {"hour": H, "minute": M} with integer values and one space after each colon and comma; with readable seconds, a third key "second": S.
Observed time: {"hour": 8, "minute": 12}
